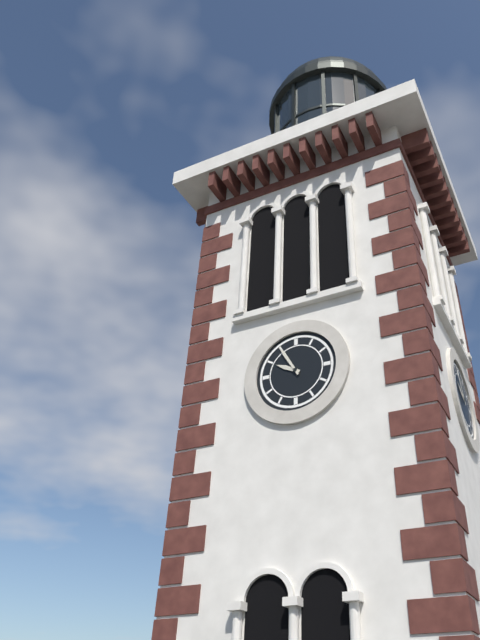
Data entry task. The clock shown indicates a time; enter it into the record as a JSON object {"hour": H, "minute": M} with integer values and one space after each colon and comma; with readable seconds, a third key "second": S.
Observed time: {"hour": 9, "minute": 55}
